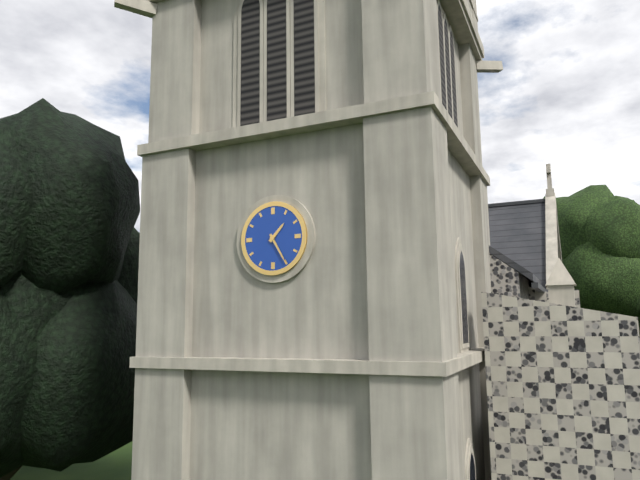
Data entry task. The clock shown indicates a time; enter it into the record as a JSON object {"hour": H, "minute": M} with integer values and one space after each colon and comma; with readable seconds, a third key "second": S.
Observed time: {"hour": 1, "minute": 25}
